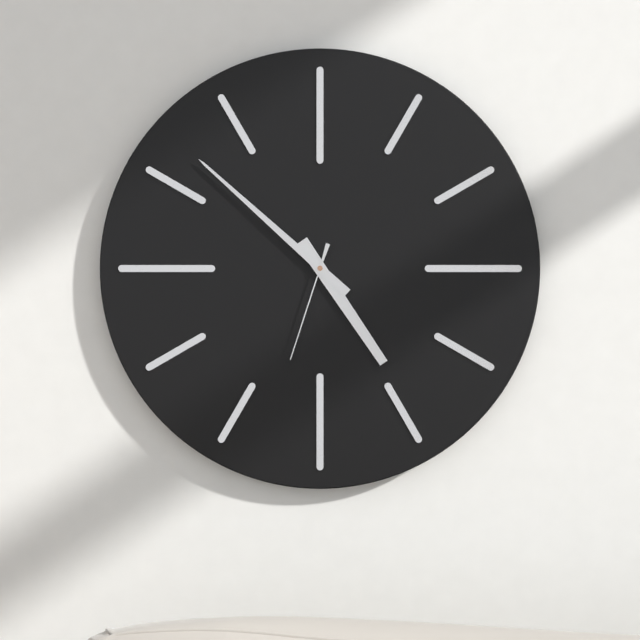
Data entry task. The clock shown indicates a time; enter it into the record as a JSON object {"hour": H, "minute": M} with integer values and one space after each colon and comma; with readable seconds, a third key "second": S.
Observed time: {"hour": 4, "minute": 52, "second": 33}
